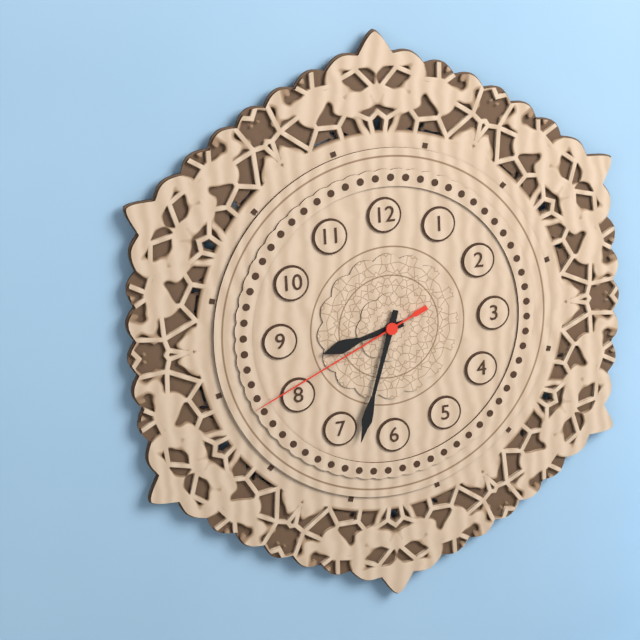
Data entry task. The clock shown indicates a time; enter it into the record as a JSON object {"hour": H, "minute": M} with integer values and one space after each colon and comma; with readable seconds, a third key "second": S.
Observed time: {"hour": 8, "minute": 33, "second": 41}
